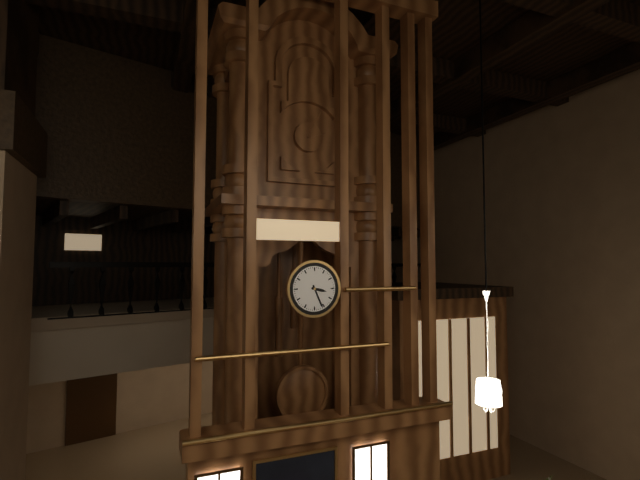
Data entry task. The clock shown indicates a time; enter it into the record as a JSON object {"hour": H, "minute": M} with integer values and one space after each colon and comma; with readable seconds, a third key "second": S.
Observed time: {"hour": 3, "minute": 26}
